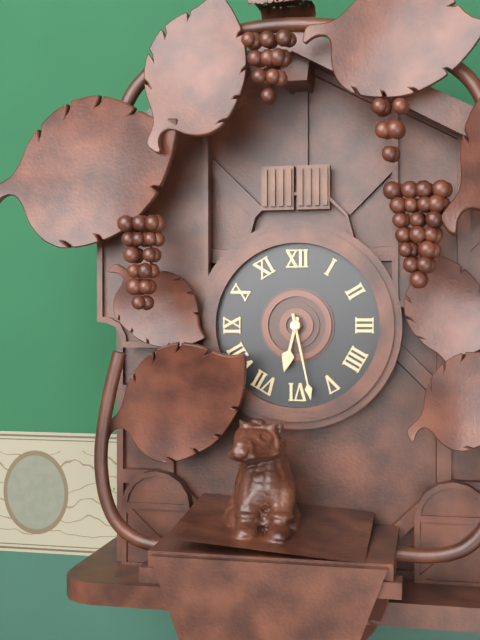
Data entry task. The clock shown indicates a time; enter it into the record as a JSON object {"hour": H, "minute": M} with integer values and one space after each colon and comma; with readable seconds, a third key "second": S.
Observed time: {"hour": 6, "minute": 28}
